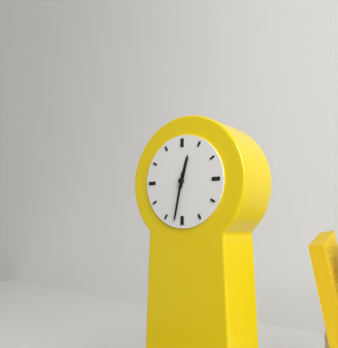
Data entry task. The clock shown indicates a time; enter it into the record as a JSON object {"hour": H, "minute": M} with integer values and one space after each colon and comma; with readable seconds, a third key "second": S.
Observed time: {"hour": 12, "minute": 32}
